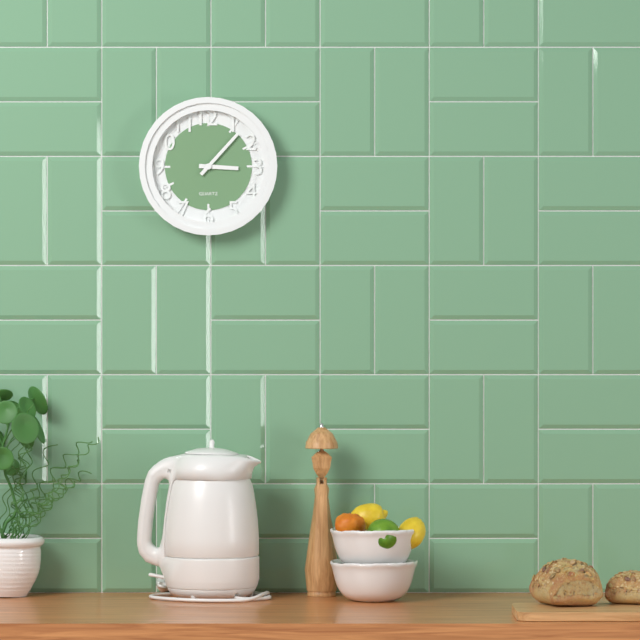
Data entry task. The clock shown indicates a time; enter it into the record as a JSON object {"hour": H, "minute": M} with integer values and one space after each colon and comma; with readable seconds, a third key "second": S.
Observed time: {"hour": 3, "minute": 7}
